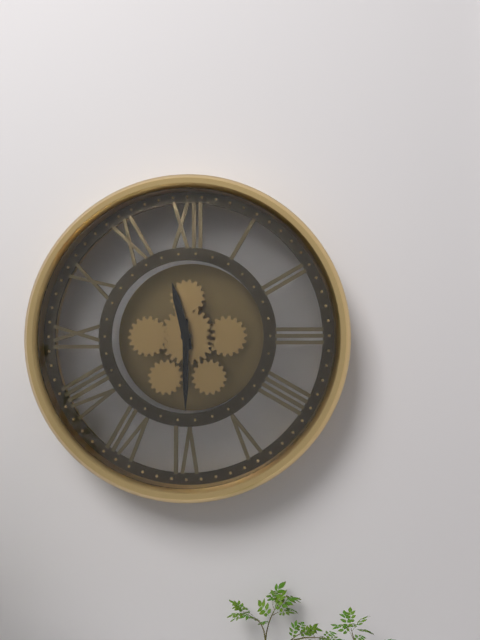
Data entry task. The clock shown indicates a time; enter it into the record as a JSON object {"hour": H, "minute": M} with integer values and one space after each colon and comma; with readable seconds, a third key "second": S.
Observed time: {"hour": 11, "minute": 30}
